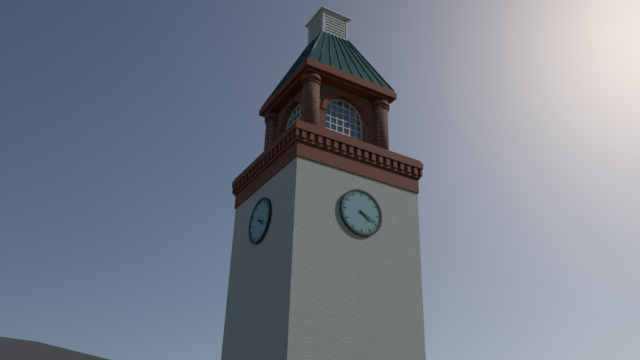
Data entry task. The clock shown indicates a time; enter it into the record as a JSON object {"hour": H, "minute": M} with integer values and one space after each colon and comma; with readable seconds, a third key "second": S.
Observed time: {"hour": 4, "minute": 19}
